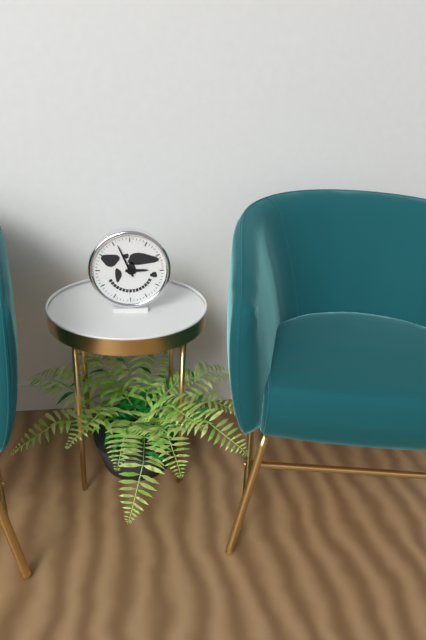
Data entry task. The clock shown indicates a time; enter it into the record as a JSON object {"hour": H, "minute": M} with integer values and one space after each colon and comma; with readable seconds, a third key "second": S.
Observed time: {"hour": 2, "minute": 56}
